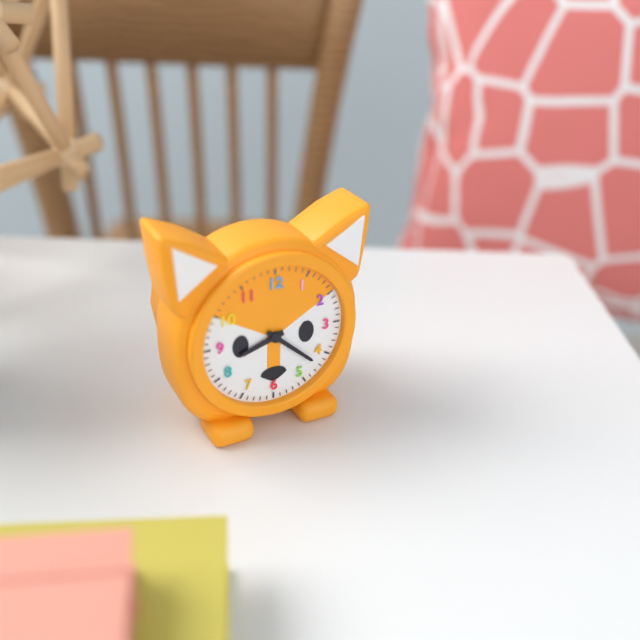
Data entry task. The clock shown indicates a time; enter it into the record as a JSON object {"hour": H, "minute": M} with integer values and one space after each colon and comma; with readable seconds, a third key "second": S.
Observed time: {"hour": 8, "minute": 22}
